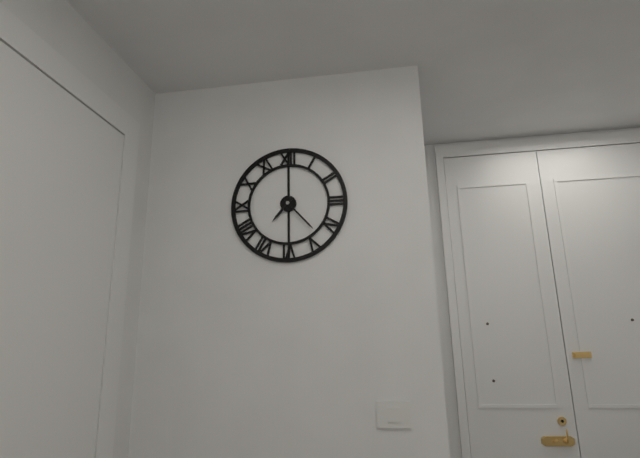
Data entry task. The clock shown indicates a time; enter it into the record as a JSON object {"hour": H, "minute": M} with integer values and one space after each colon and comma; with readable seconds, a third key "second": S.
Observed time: {"hour": 7, "minute": 23}
